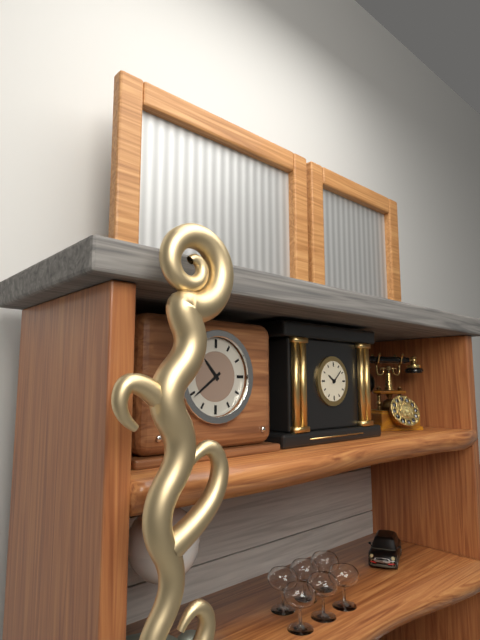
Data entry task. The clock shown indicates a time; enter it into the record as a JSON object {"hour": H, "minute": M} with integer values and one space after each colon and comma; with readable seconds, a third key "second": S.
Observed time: {"hour": 10, "minute": 39}
